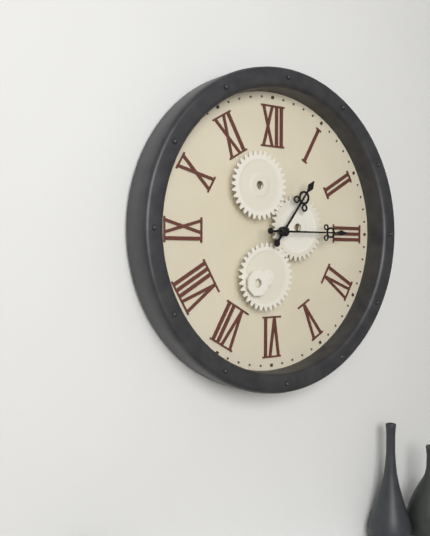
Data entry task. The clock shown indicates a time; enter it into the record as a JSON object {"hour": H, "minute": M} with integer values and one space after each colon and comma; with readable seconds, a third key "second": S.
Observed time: {"hour": 1, "minute": 15}
